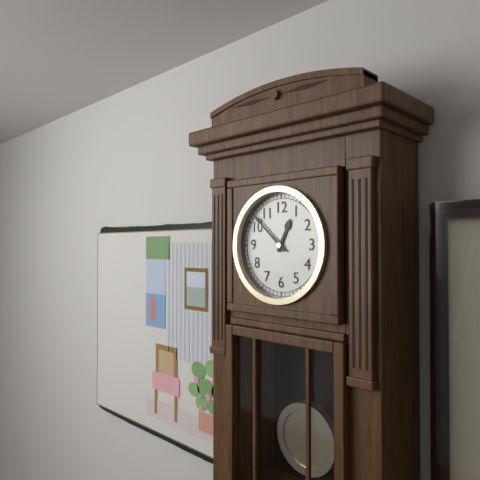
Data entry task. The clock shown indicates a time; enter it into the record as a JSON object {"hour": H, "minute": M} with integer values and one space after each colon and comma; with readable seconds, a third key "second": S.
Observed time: {"hour": 12, "minute": 52}
